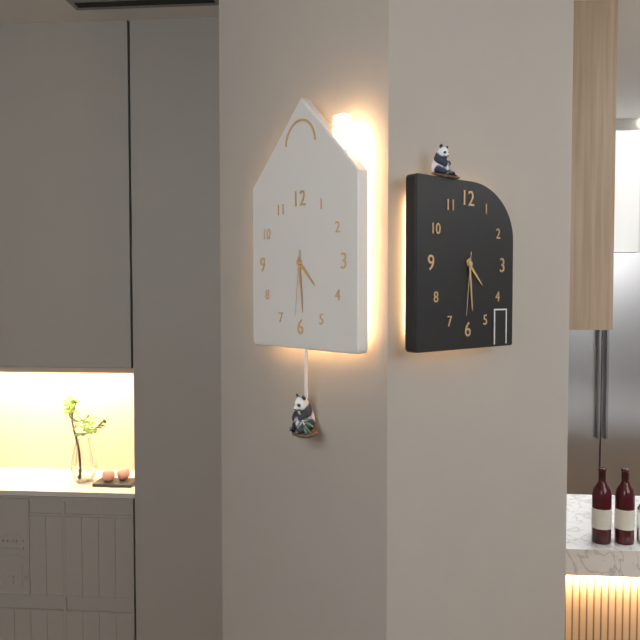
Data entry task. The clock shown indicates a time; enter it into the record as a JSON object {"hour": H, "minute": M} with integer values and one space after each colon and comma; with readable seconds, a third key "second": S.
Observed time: {"hour": 4, "minute": 29, "second": 31}
